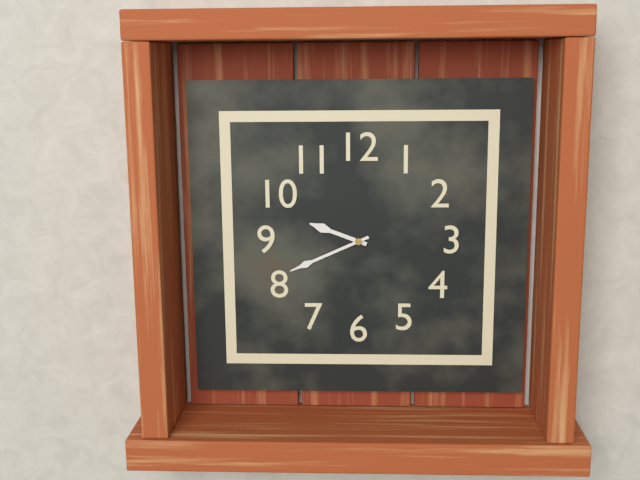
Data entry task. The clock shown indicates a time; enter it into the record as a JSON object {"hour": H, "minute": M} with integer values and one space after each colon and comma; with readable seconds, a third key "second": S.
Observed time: {"hour": 9, "minute": 41}
